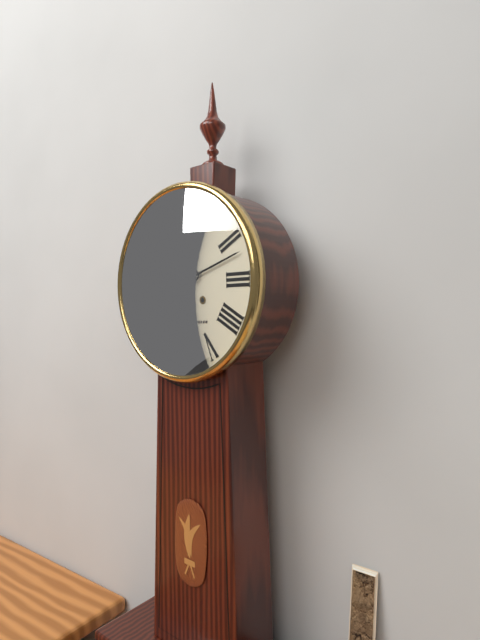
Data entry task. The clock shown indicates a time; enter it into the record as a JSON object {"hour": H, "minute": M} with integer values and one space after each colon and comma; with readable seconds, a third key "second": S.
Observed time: {"hour": 10, "minute": 12}
